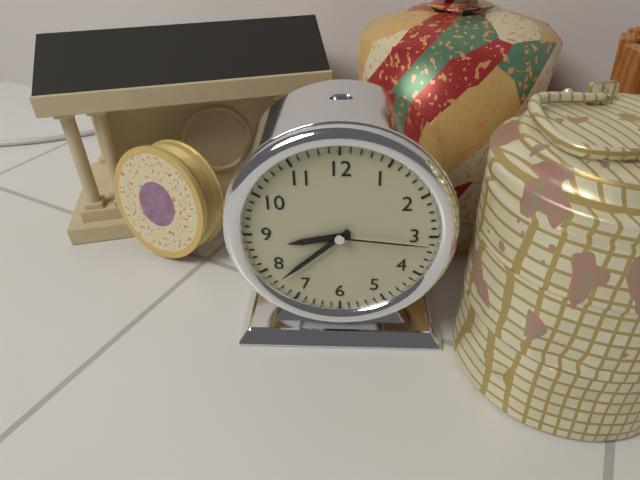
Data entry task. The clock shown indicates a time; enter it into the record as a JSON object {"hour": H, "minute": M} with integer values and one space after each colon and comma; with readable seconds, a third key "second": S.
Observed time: {"hour": 8, "minute": 38, "second": 16}
